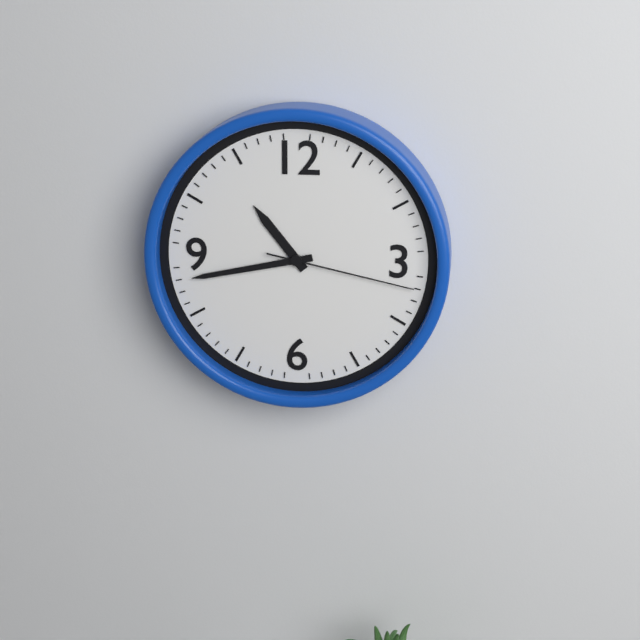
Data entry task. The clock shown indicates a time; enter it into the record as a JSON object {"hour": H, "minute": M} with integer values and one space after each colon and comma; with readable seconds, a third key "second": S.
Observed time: {"hour": 10, "minute": 43, "second": 17}
